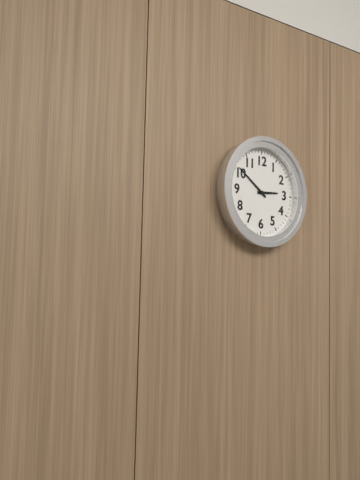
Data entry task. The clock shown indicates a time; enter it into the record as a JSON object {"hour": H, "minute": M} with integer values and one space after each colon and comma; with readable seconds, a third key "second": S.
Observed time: {"hour": 2, "minute": 51}
